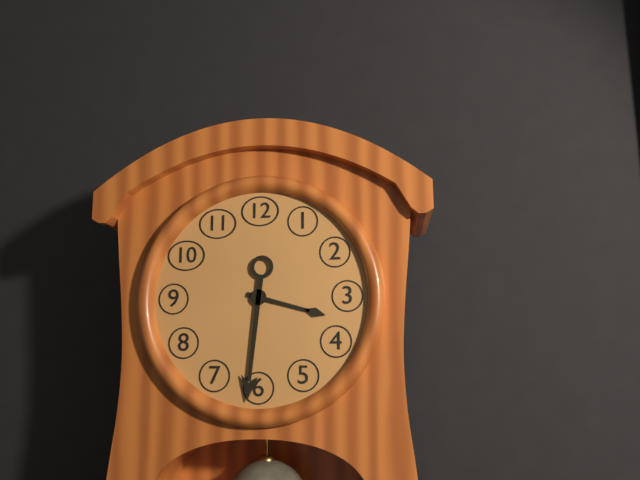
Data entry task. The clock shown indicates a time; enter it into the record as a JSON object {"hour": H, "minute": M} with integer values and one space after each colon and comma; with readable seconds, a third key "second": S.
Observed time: {"hour": 3, "minute": 31}
